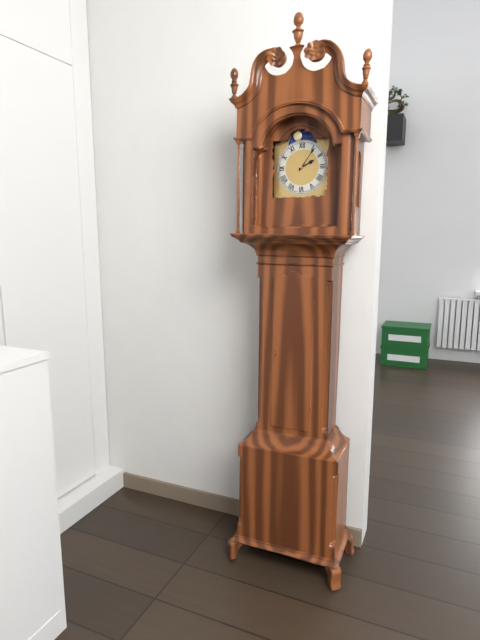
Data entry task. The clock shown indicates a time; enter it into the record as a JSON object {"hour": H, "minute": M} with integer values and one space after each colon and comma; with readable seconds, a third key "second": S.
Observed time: {"hour": 2, "minute": 6}
